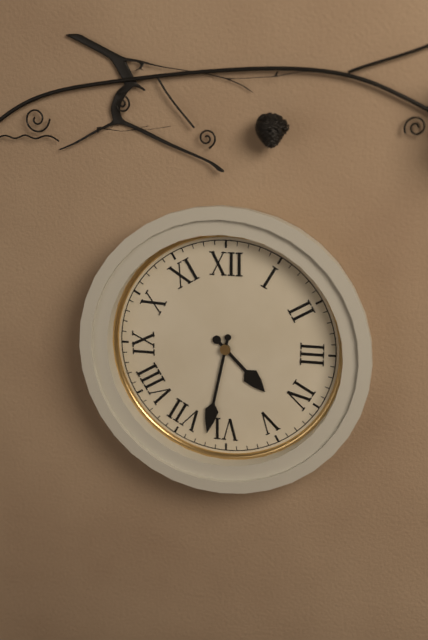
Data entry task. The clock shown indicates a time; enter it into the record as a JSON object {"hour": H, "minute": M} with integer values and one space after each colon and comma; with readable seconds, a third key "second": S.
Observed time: {"hour": 4, "minute": 32}
